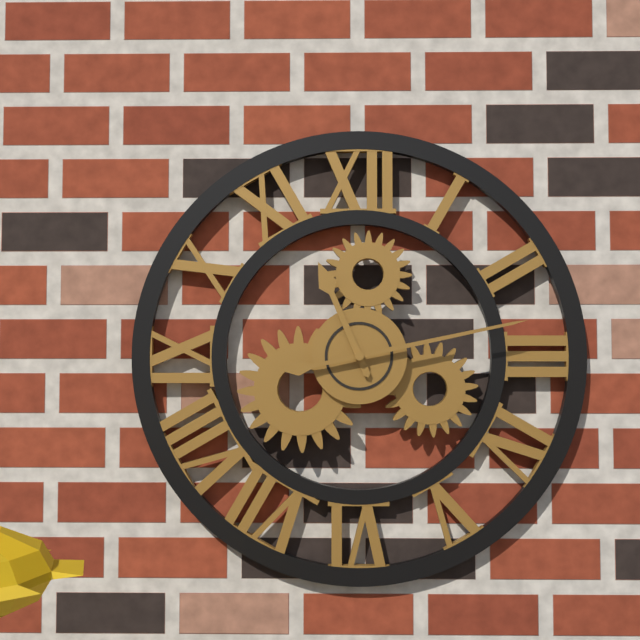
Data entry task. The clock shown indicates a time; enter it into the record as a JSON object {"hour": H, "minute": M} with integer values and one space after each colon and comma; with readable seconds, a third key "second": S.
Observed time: {"hour": 11, "minute": 13}
